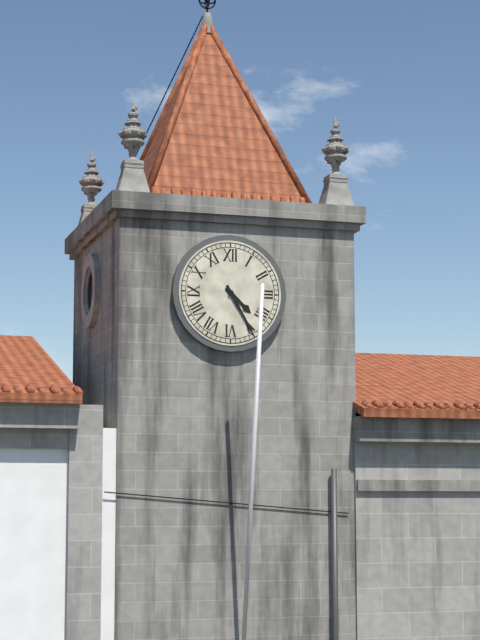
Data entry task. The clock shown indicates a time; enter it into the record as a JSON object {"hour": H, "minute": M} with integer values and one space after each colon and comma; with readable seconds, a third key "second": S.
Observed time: {"hour": 4, "minute": 25}
